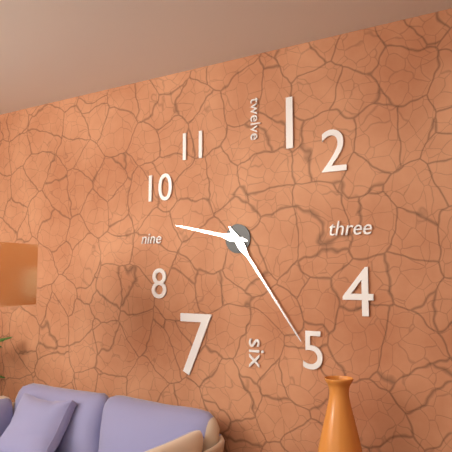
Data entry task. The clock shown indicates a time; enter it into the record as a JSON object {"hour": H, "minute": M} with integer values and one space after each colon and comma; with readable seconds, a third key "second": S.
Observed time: {"hour": 9, "minute": 24}
